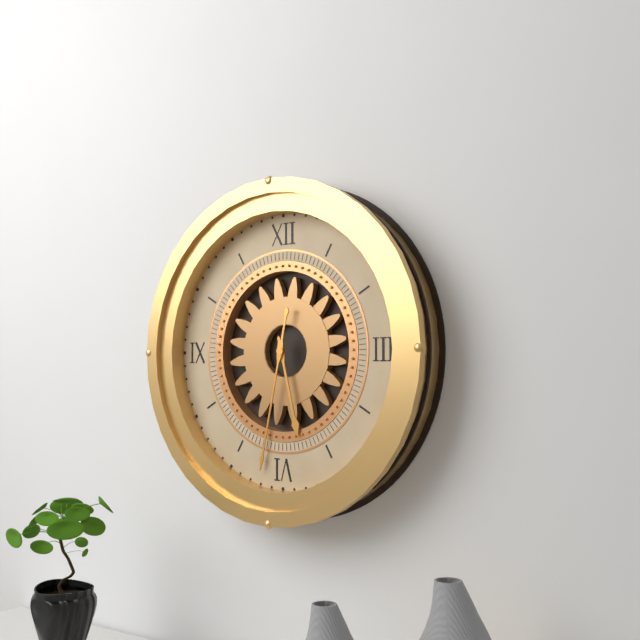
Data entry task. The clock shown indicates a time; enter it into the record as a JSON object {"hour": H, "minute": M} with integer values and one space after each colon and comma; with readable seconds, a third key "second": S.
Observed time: {"hour": 5, "minute": 32}
